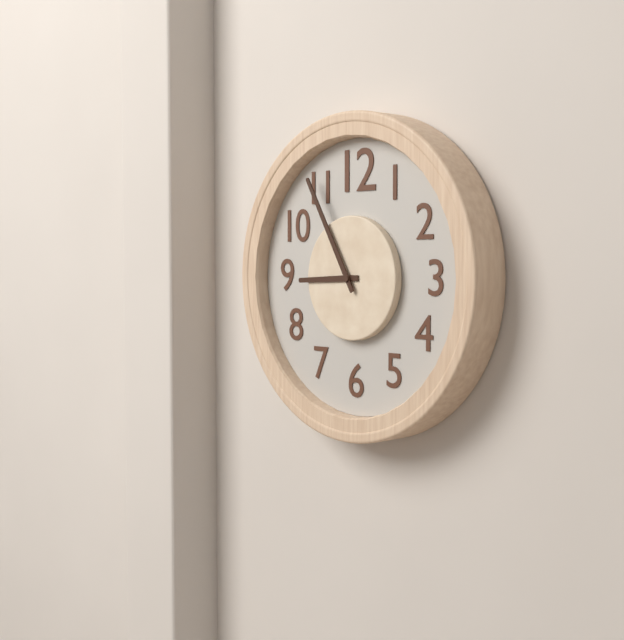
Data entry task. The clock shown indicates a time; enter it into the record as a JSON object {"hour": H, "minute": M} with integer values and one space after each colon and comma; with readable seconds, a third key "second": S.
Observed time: {"hour": 8, "minute": 55}
